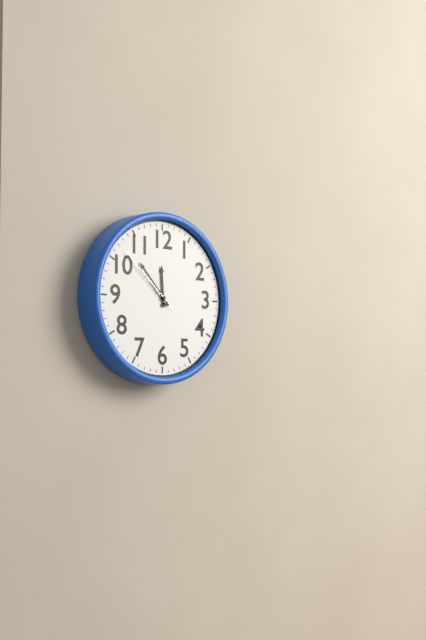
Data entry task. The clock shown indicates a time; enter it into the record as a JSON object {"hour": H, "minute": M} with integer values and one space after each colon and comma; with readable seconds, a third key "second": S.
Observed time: {"hour": 11, "minute": 53, "second": 52}
